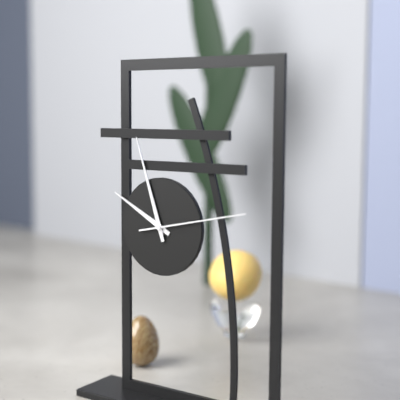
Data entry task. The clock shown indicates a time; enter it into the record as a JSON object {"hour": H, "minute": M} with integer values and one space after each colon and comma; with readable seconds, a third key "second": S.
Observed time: {"hour": 9, "minute": 57, "second": 13}
